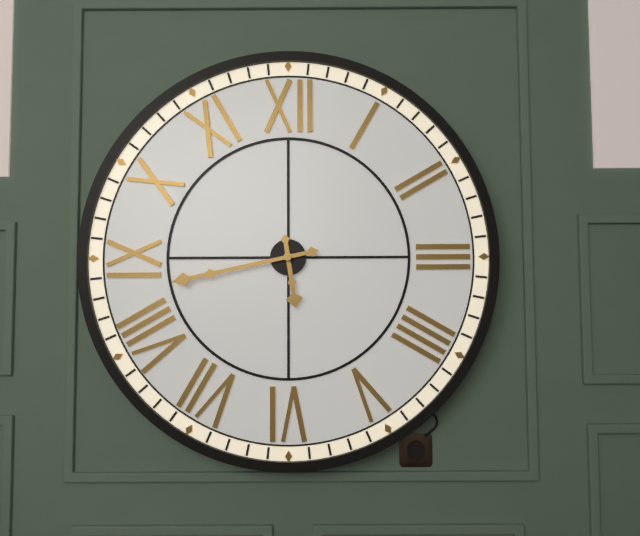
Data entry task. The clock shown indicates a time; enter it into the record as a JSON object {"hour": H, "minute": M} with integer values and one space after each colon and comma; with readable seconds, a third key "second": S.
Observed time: {"hour": 5, "minute": 43}
